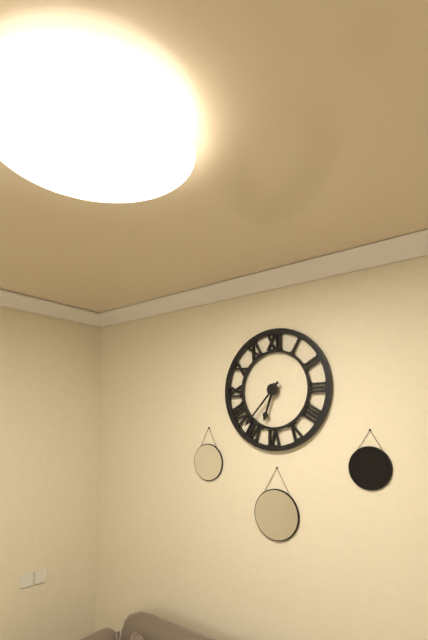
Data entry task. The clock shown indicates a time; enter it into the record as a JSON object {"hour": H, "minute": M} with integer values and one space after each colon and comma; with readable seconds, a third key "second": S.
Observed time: {"hour": 6, "minute": 37}
